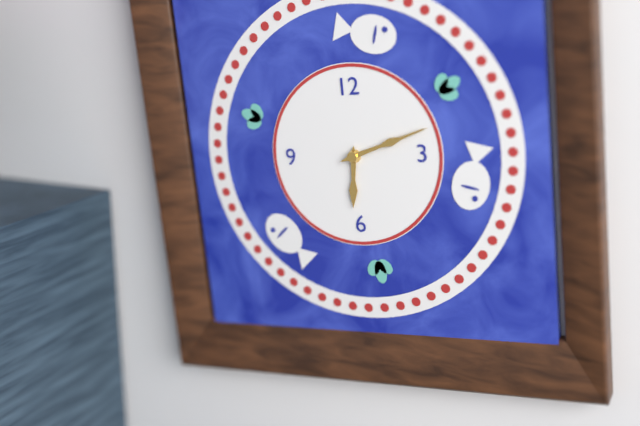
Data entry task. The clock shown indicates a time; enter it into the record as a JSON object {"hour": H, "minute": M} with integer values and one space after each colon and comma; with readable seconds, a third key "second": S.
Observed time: {"hour": 6, "minute": 12}
